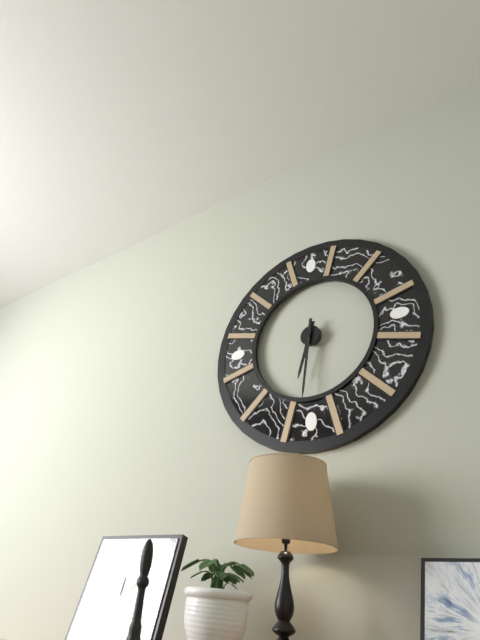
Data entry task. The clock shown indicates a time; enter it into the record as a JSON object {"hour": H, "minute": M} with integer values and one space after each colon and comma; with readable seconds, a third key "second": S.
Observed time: {"hour": 6, "minute": 31}
